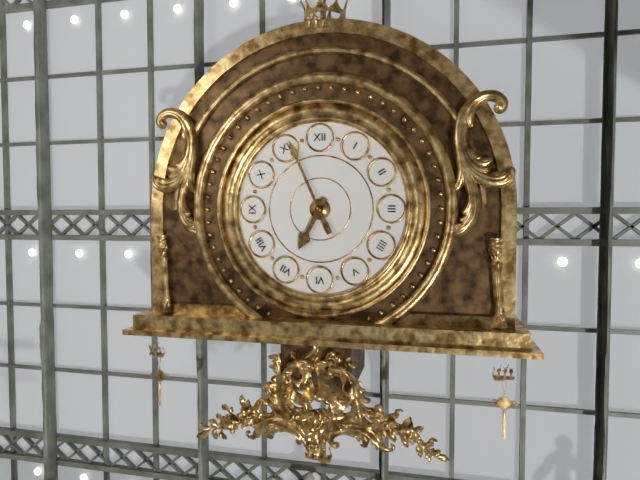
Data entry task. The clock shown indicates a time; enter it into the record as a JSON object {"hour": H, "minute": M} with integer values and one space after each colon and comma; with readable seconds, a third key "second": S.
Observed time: {"hour": 6, "minute": 56}
